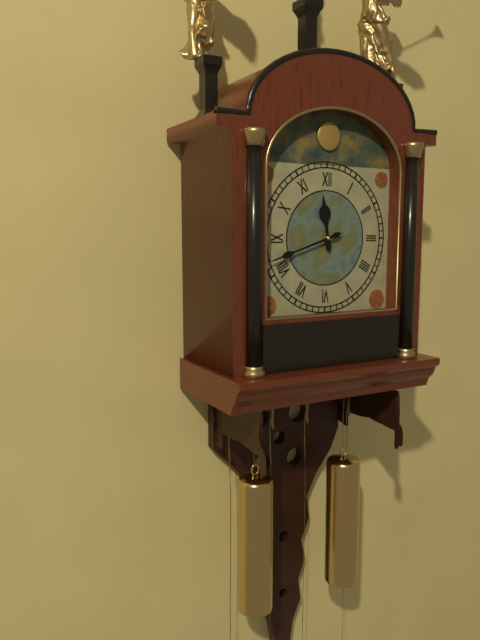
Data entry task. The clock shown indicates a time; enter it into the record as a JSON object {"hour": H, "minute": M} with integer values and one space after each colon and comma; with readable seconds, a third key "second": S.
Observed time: {"hour": 11, "minute": 42}
